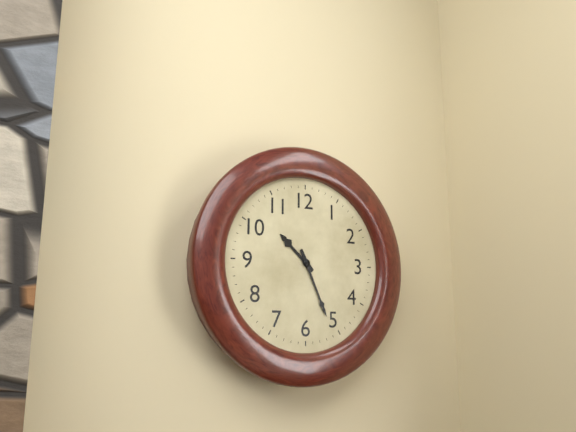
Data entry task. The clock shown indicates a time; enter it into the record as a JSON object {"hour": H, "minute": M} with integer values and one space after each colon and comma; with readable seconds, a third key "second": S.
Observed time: {"hour": 10, "minute": 26}
